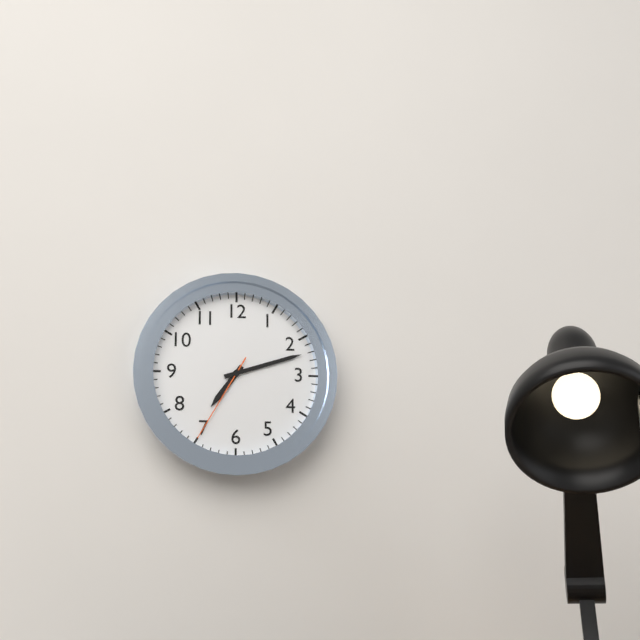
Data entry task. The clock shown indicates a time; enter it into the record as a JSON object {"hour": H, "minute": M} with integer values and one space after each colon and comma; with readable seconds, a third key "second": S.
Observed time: {"hour": 7, "minute": 12, "second": 35}
